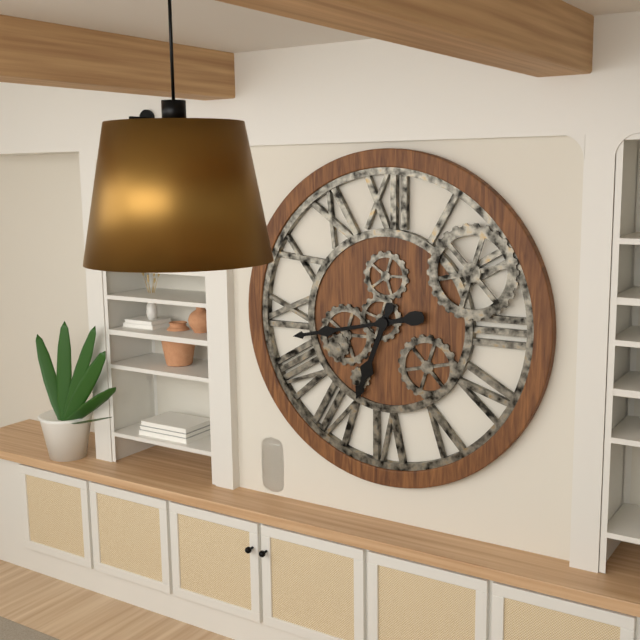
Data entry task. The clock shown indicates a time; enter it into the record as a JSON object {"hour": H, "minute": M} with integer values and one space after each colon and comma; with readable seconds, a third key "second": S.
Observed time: {"hour": 6, "minute": 43}
